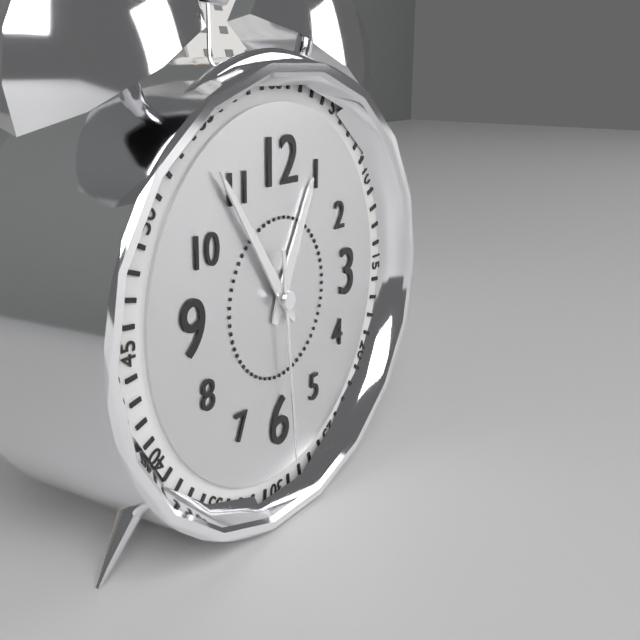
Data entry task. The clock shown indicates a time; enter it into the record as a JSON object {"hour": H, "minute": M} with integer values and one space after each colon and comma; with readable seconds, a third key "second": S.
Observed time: {"hour": 12, "minute": 54, "second": 29}
